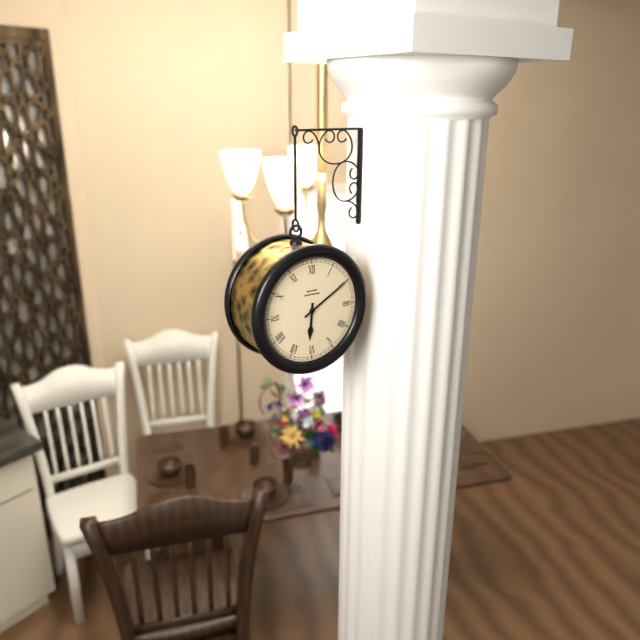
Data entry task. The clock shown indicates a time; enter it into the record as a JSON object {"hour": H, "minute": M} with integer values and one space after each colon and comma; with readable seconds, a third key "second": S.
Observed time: {"hour": 6, "minute": 10}
